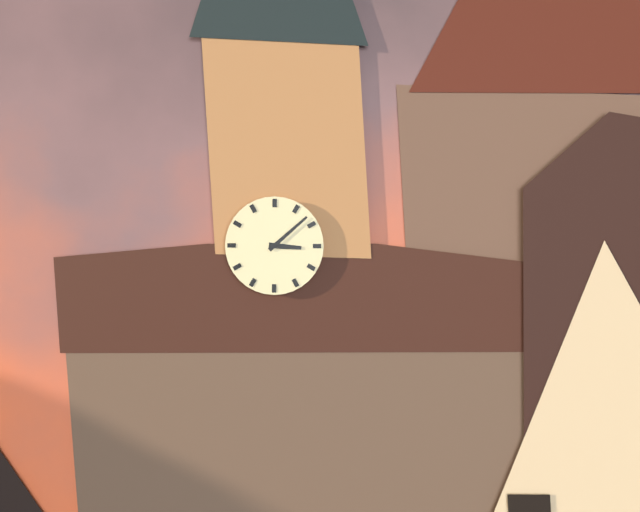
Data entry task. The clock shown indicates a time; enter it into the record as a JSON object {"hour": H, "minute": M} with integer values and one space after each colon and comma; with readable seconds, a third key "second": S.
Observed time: {"hour": 3, "minute": 8}
